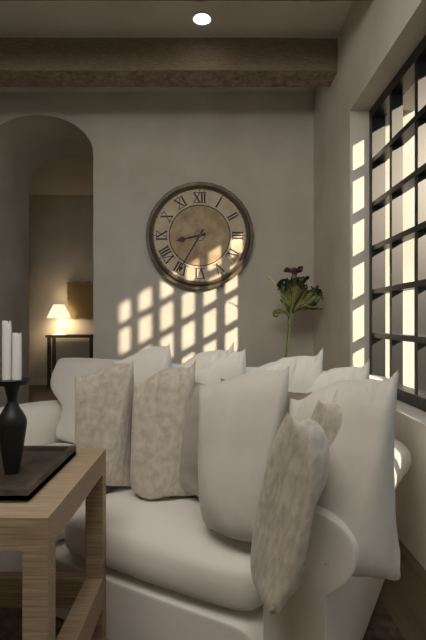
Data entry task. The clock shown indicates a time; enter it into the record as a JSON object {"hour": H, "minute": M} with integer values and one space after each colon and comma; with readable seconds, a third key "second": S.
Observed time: {"hour": 8, "minute": 35}
